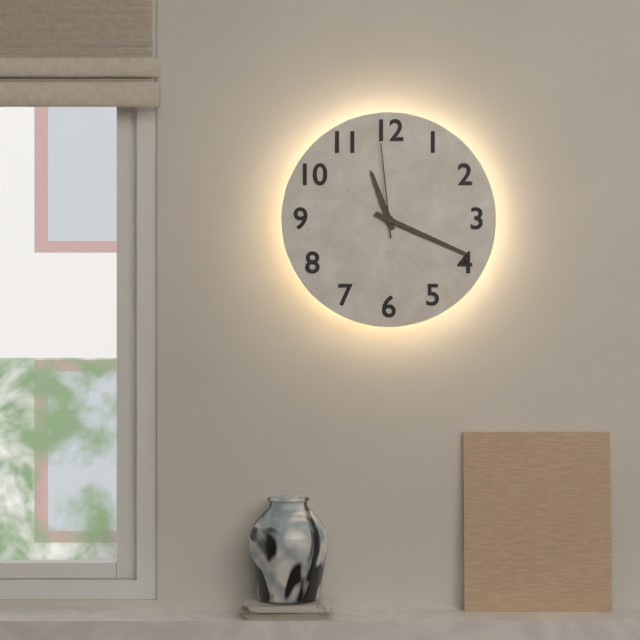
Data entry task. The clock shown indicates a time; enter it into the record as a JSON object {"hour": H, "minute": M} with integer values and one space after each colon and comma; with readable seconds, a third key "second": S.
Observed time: {"hour": 11, "minute": 19, "second": 59}
